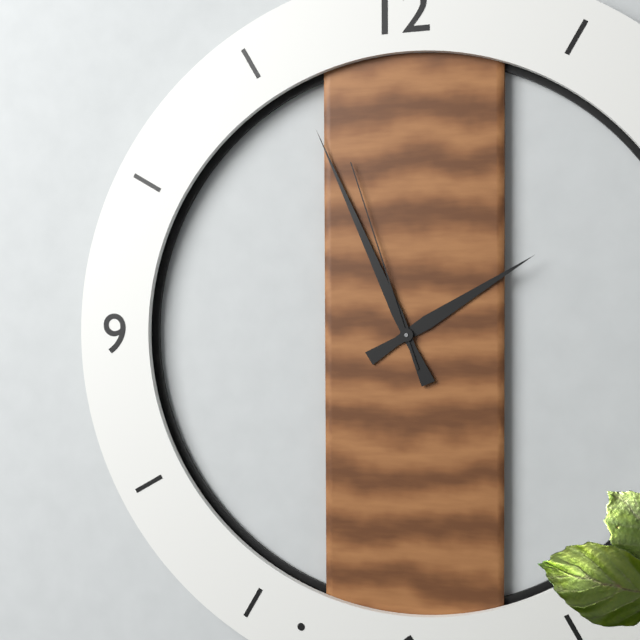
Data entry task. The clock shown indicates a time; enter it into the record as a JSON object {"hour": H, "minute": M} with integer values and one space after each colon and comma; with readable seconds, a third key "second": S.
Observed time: {"hour": 1, "minute": 56, "second": 57}
